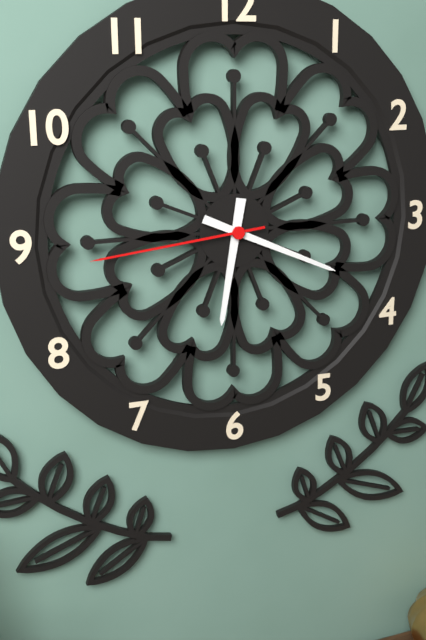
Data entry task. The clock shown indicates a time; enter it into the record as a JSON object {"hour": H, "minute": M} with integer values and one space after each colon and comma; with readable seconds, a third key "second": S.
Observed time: {"hour": 6, "minute": 19, "second": 44}
